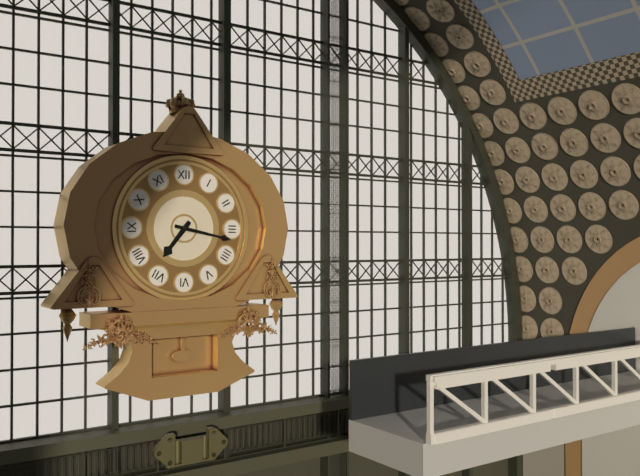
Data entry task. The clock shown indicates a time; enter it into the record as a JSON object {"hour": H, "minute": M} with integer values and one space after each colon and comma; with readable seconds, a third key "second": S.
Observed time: {"hour": 7, "minute": 17}
